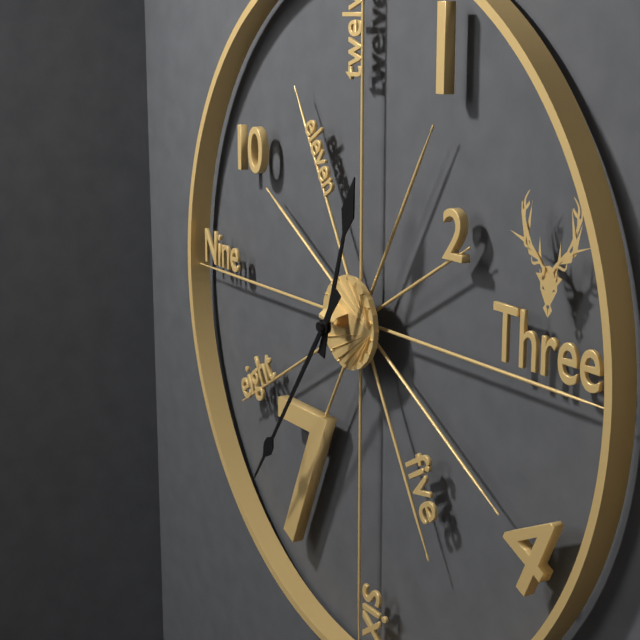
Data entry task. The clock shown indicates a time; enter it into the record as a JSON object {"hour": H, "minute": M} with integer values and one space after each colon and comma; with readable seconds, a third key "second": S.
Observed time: {"hour": 12, "minute": 36}
